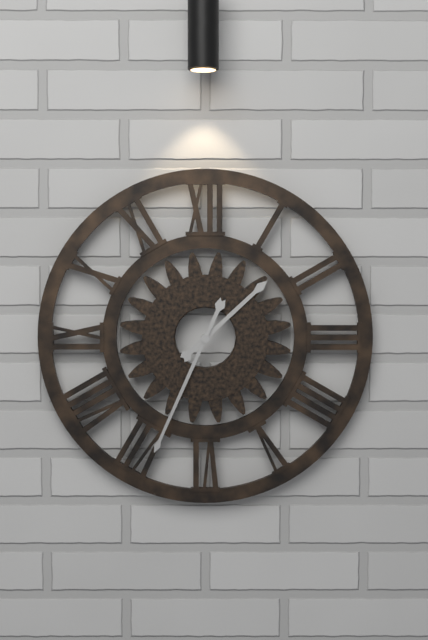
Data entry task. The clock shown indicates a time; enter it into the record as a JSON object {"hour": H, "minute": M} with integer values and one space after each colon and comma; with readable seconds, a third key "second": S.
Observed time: {"hour": 1, "minute": 34}
